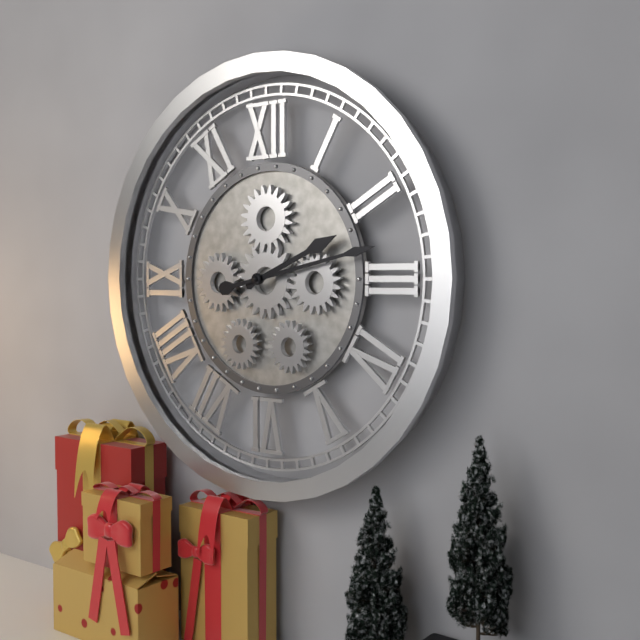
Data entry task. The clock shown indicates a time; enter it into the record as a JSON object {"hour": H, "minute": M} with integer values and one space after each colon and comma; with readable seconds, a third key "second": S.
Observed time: {"hour": 2, "minute": 13}
